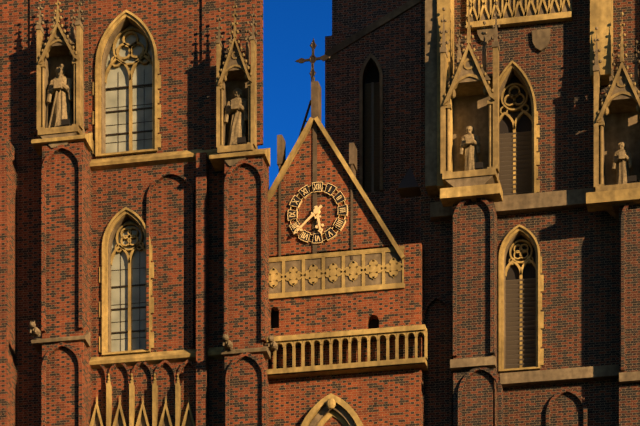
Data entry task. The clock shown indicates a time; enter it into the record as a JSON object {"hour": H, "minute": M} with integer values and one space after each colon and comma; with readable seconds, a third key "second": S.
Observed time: {"hour": 5, "minute": 38}
